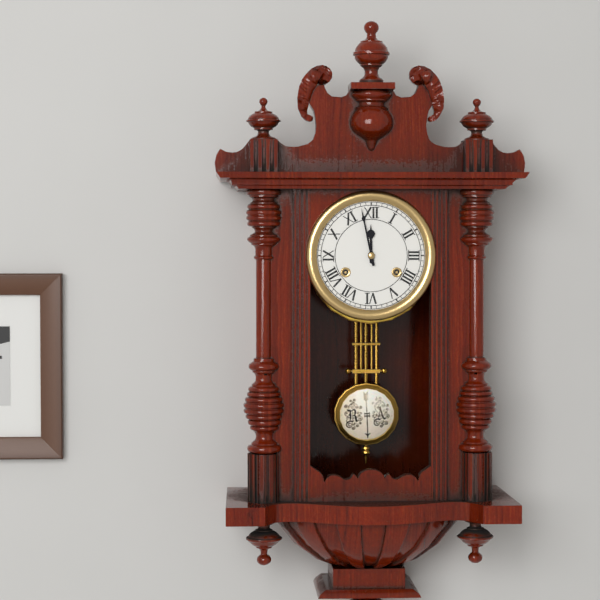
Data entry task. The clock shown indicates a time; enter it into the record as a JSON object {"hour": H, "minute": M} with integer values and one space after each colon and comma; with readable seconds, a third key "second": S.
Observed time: {"hour": 11, "minute": 58}
